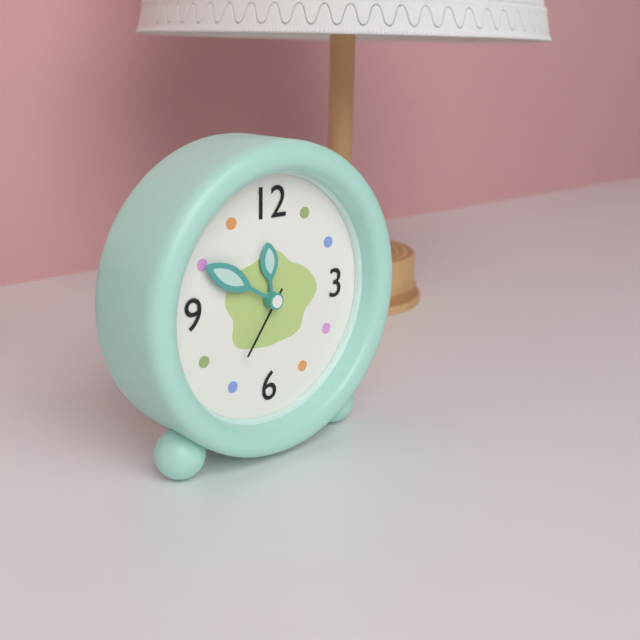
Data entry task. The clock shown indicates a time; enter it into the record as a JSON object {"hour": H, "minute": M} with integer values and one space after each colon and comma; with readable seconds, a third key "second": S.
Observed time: {"hour": 11, "minute": 50, "second": 36}
